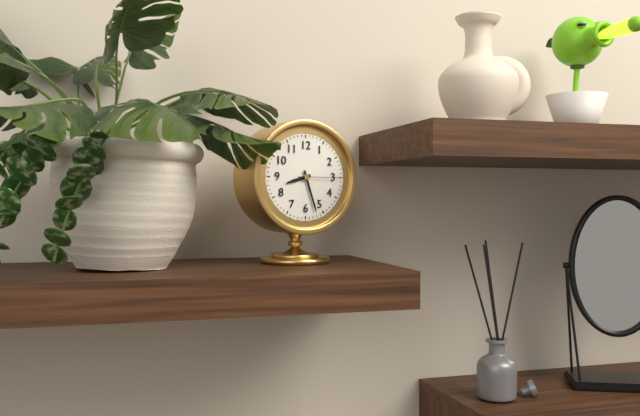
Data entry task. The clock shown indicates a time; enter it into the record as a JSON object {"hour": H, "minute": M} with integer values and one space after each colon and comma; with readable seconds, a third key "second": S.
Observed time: {"hour": 8, "minute": 27}
